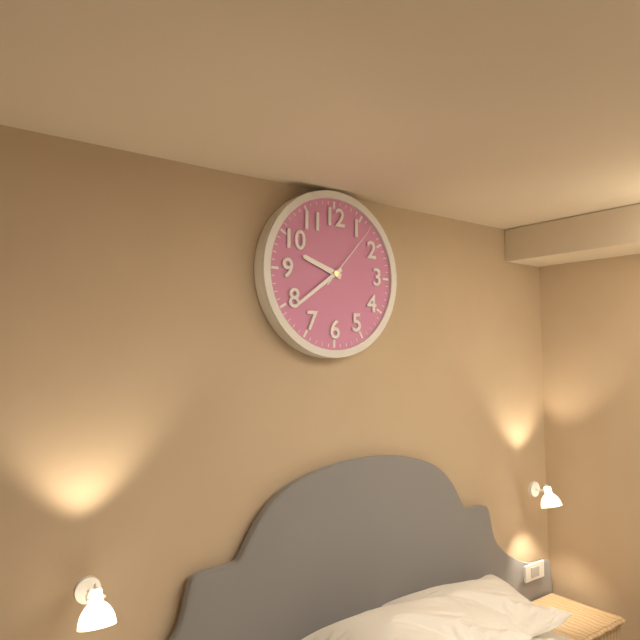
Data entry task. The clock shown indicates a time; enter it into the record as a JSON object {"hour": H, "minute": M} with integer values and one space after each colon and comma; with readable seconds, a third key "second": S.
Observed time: {"hour": 9, "minute": 39, "second": 7}
